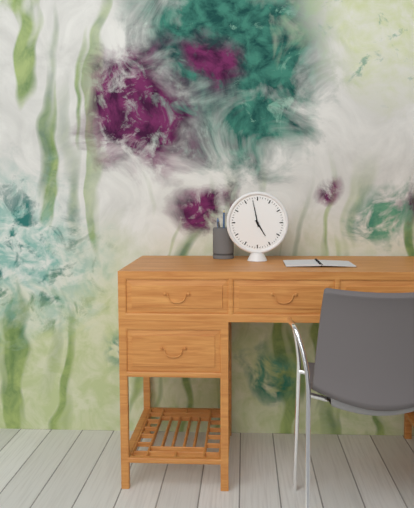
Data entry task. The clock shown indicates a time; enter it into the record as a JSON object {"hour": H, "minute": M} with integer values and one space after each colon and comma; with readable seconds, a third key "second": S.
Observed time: {"hour": 4, "minute": 58}
